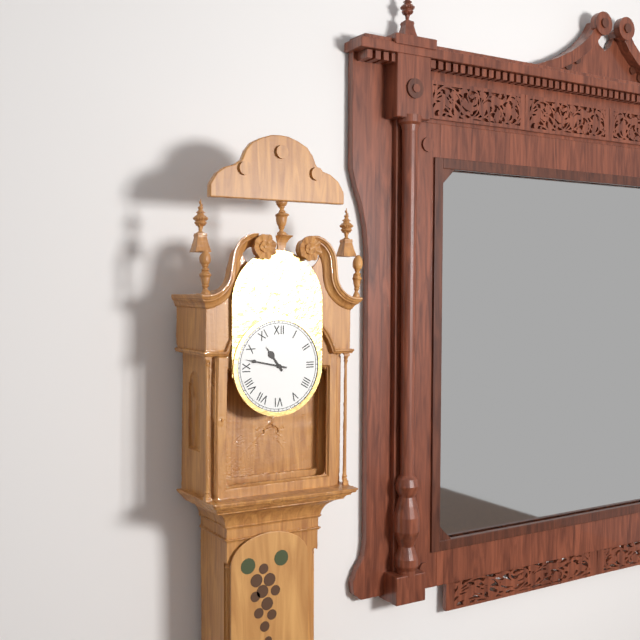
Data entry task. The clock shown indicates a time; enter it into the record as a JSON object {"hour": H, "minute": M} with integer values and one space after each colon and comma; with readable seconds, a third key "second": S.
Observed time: {"hour": 10, "minute": 47}
